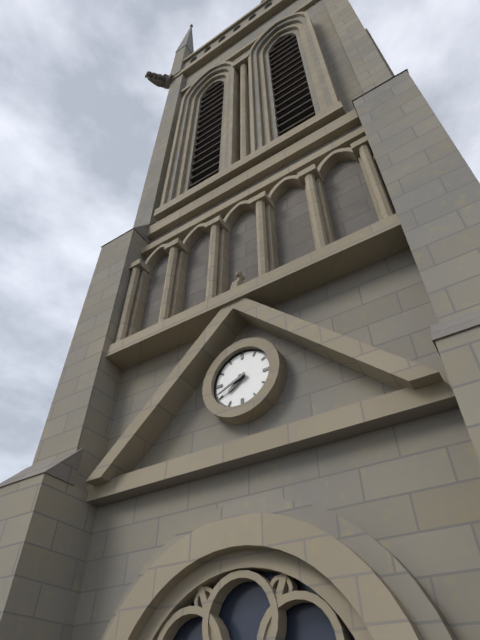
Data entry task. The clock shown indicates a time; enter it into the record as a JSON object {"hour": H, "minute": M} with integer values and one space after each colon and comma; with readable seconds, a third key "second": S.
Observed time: {"hour": 7, "minute": 41}
